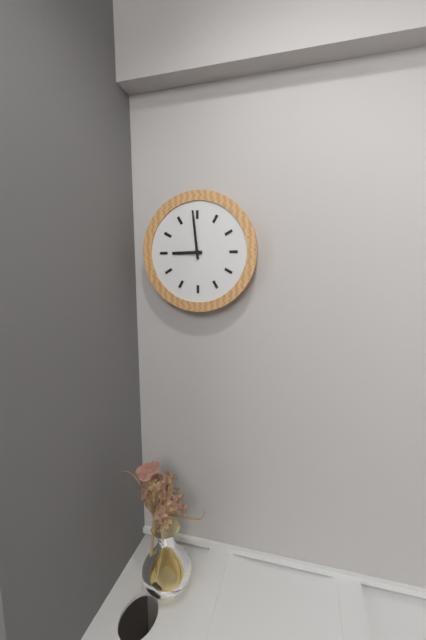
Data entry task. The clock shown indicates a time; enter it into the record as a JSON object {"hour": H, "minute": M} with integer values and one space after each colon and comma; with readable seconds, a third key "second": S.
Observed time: {"hour": 8, "minute": 59}
